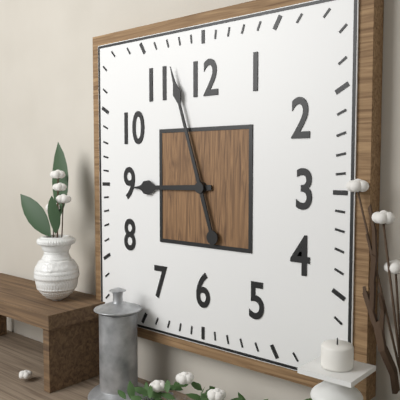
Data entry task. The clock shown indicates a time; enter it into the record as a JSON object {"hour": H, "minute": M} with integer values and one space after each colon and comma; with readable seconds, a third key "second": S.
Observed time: {"hour": 8, "minute": 57}
